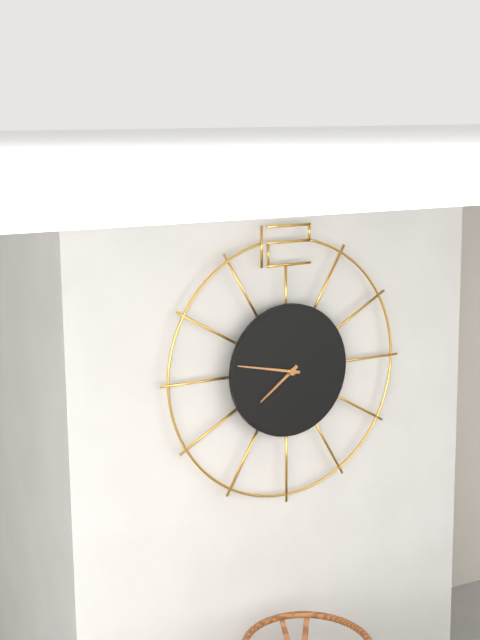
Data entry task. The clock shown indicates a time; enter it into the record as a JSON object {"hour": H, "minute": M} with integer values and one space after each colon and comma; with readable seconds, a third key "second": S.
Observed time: {"hour": 7, "minute": 47}
